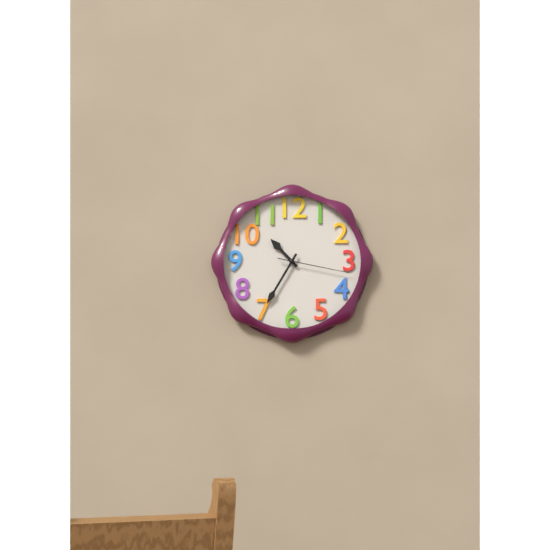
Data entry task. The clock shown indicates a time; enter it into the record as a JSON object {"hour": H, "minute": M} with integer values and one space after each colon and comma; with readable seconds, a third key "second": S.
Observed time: {"hour": 10, "minute": 35, "second": 17}
